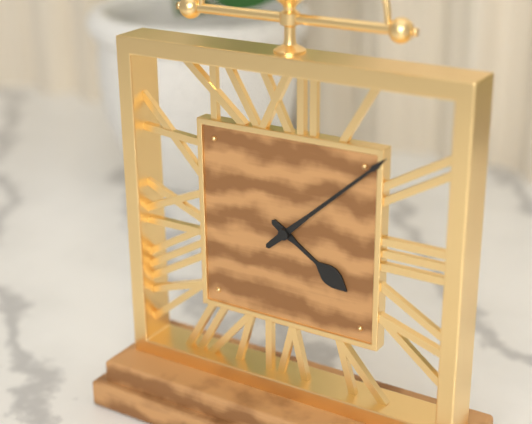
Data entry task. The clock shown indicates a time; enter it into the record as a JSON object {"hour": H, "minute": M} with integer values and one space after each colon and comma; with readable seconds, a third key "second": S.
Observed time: {"hour": 4, "minute": 8}
